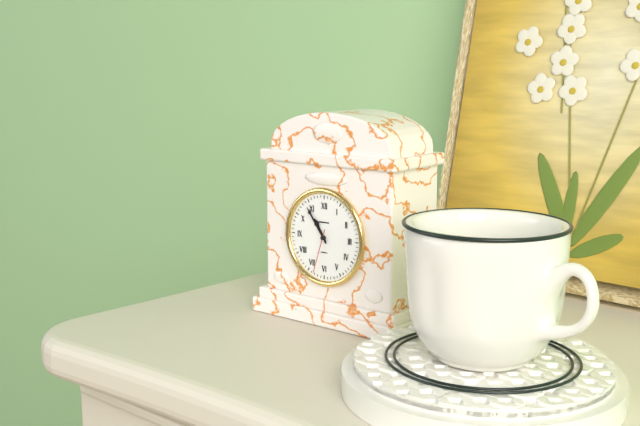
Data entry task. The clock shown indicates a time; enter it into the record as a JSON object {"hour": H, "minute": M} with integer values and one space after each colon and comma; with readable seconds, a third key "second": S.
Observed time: {"hour": 10, "minute": 54}
